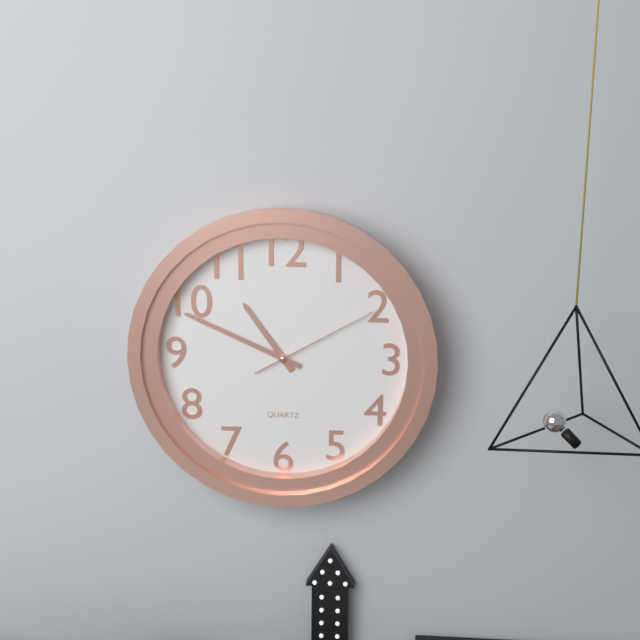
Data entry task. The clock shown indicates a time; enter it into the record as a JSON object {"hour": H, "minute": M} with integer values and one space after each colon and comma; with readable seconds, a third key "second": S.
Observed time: {"hour": 10, "minute": 49, "second": 10}
